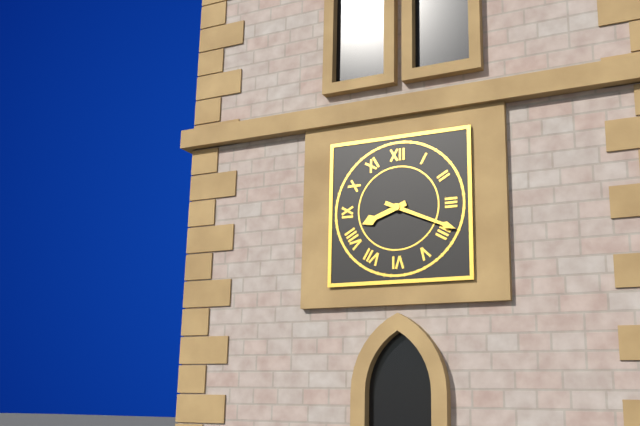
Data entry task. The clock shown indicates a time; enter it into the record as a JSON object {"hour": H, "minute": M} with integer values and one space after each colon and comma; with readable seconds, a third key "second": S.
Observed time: {"hour": 8, "minute": 19}
